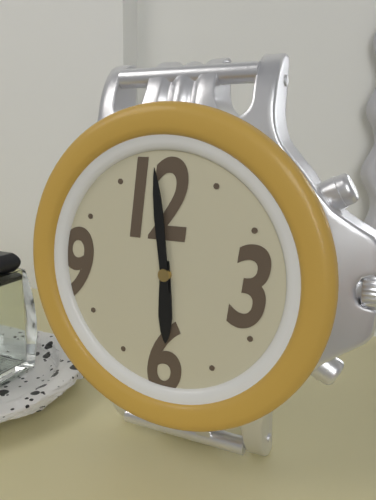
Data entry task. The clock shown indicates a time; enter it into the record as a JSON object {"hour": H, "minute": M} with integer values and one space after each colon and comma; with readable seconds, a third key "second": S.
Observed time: {"hour": 5, "minute": 59}
